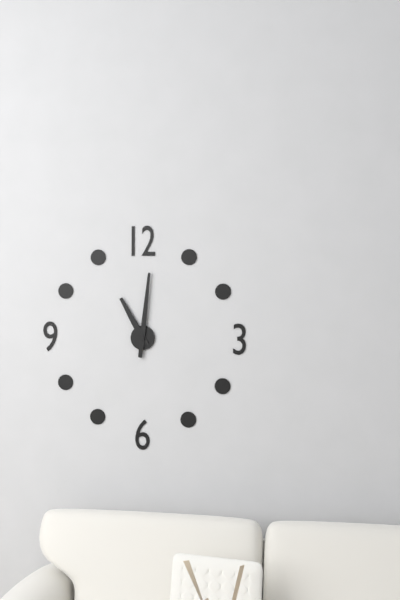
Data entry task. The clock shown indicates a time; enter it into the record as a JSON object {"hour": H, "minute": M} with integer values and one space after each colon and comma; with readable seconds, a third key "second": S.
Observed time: {"hour": 11, "minute": 1}
